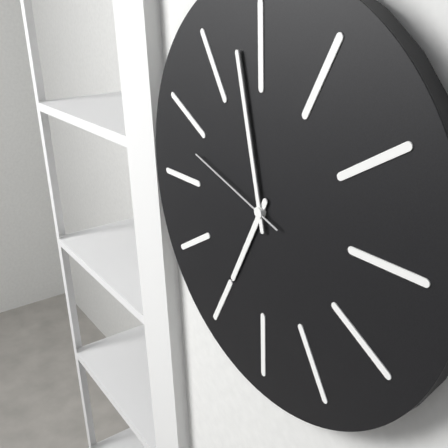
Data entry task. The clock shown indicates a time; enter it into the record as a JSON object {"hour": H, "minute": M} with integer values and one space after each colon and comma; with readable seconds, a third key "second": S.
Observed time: {"hour": 6, "minute": 58, "second": 48}
